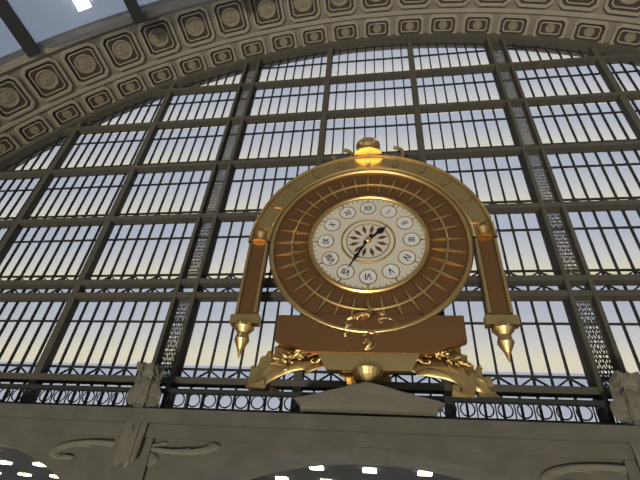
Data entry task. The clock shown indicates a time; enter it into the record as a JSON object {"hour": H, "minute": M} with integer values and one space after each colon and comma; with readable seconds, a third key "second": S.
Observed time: {"hour": 1, "minute": 35}
